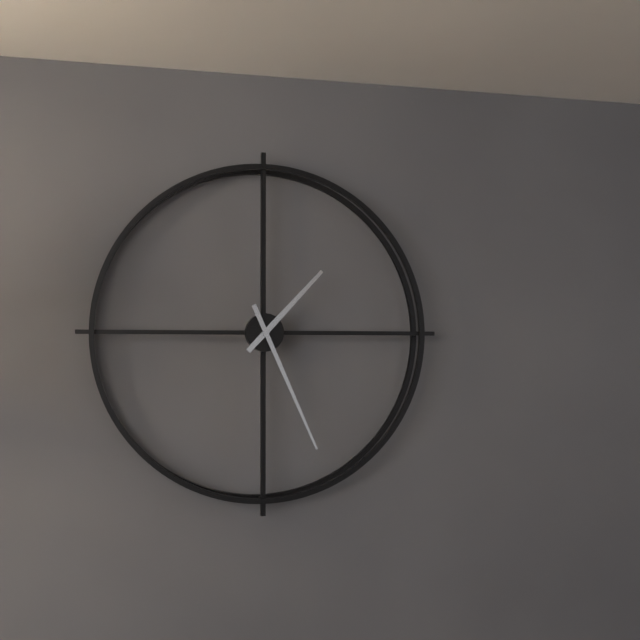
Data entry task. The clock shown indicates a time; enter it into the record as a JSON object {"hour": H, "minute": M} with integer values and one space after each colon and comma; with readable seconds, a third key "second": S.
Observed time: {"hour": 1, "minute": 26}
